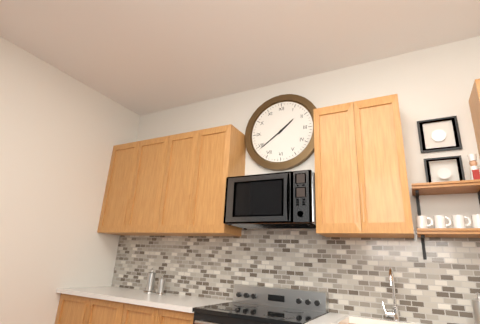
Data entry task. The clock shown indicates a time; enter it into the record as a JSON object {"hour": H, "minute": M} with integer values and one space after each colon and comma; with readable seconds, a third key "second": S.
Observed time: {"hour": 1, "minute": 39}
